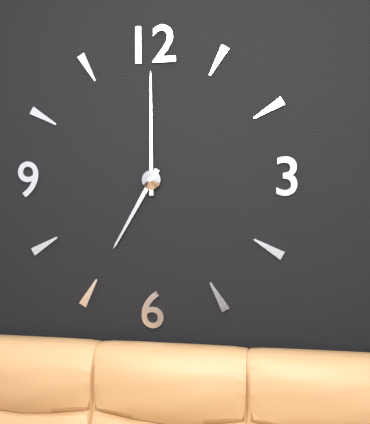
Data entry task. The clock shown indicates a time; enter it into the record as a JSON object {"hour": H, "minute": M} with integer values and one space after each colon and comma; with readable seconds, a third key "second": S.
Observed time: {"hour": 7, "minute": 0}
